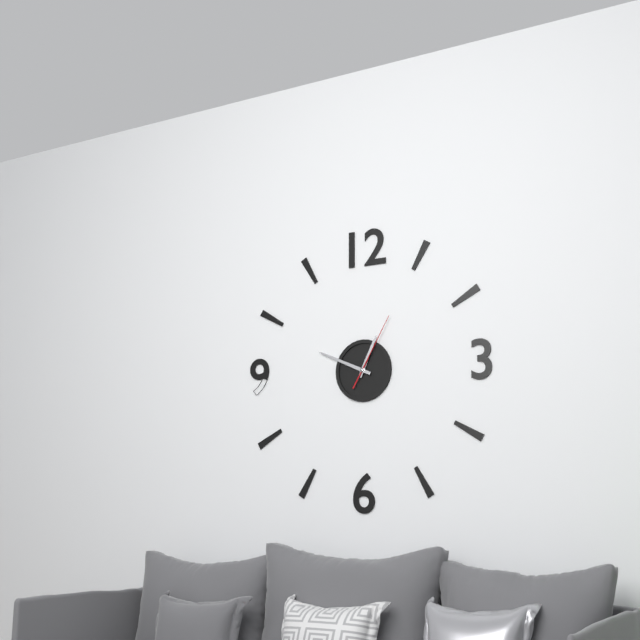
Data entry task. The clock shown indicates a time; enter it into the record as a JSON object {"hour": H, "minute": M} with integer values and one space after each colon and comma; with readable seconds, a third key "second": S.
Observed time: {"hour": 12, "minute": 49, "second": 5}
